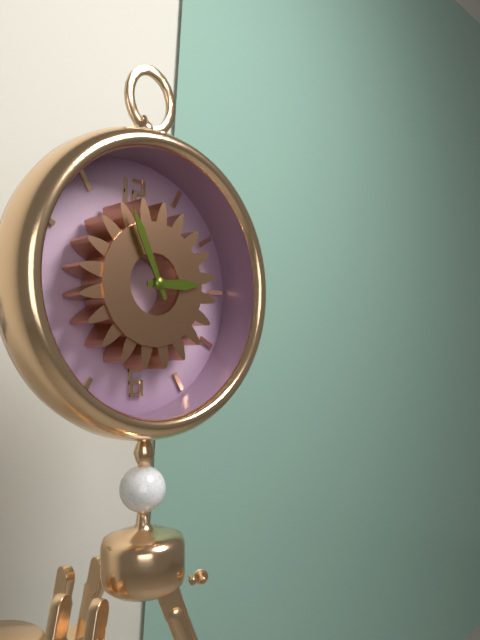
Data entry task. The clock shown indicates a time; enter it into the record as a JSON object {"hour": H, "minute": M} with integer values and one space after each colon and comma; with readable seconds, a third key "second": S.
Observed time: {"hour": 2, "minute": 56}
